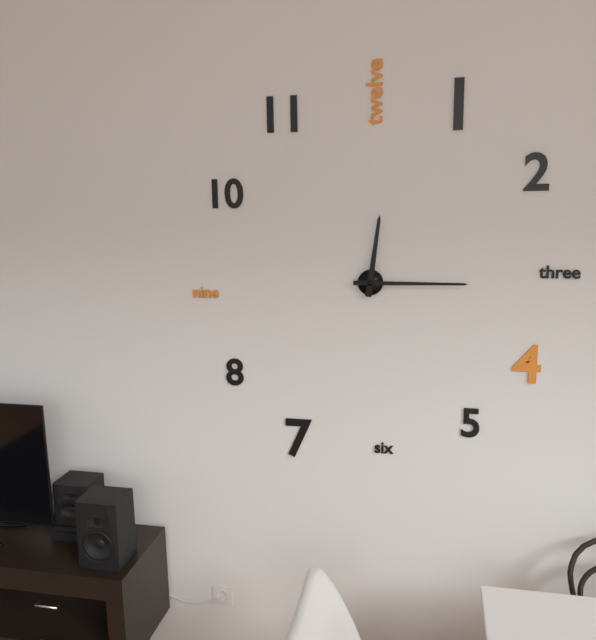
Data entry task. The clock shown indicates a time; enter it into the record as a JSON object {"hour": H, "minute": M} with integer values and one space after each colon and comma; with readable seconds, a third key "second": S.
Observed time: {"hour": 12, "minute": 15}
